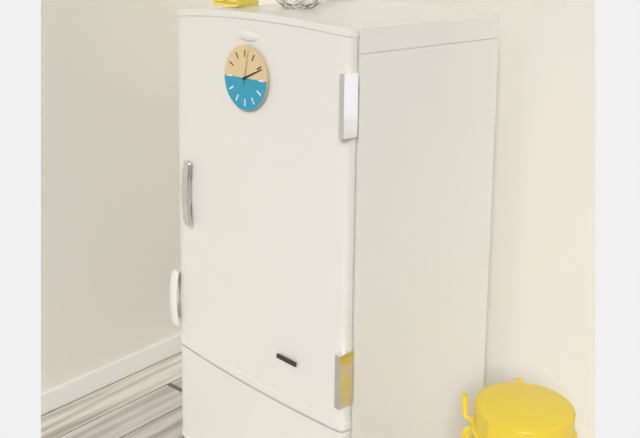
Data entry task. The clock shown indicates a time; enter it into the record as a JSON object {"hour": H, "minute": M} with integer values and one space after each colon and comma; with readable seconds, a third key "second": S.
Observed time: {"hour": 2, "minute": 11}
